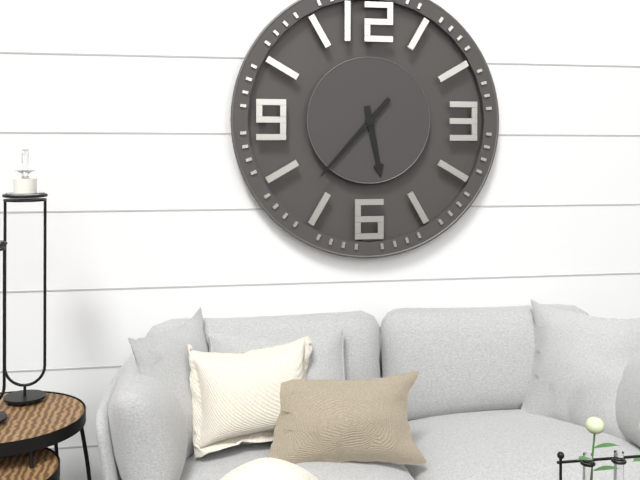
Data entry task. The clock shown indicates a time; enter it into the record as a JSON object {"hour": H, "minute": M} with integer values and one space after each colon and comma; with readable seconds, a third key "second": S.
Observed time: {"hour": 5, "minute": 37}
